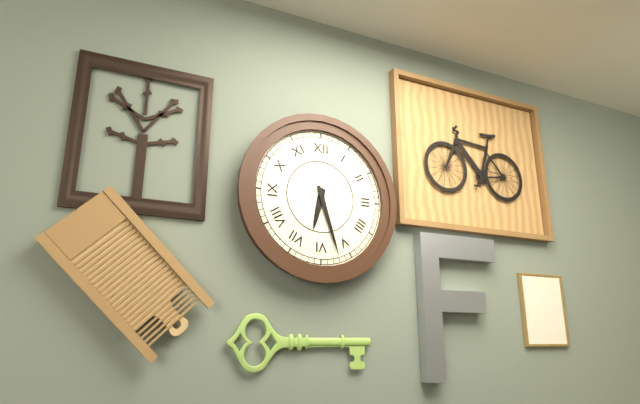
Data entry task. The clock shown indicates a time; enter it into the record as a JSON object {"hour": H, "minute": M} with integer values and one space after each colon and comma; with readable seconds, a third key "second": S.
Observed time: {"hour": 6, "minute": 27}
